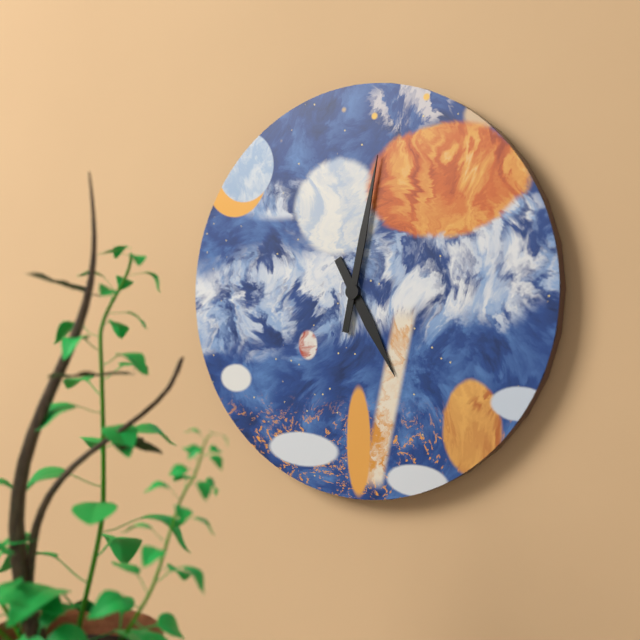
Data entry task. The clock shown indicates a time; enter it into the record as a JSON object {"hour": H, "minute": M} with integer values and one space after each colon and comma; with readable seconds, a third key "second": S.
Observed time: {"hour": 5, "minute": 2}
